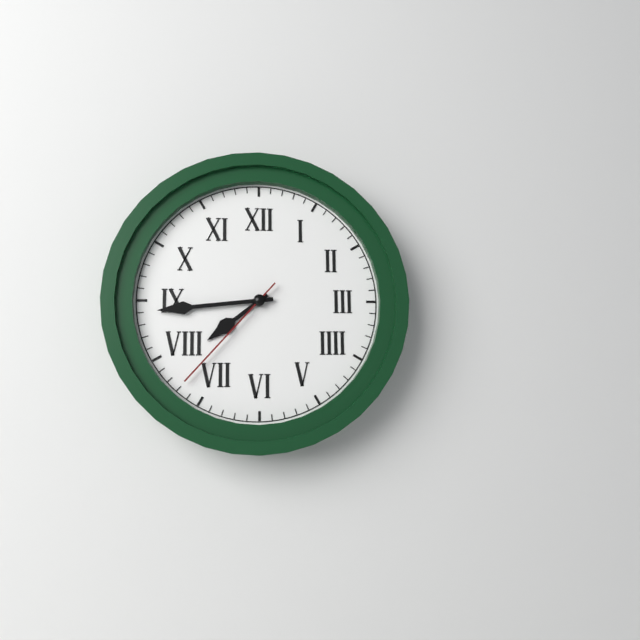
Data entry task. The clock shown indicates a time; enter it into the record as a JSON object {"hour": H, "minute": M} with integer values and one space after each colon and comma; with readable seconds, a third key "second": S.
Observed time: {"hour": 7, "minute": 44, "second": 37}
